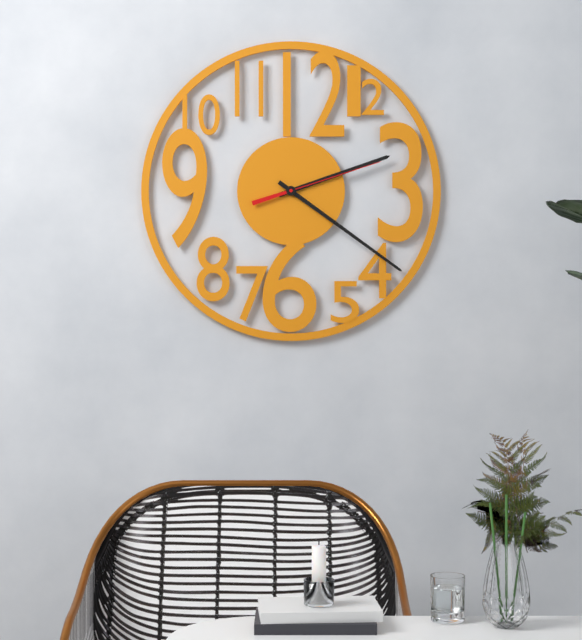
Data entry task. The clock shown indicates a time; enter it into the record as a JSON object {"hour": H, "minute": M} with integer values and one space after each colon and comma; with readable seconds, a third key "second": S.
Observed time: {"hour": 2, "minute": 21, "second": 12}
